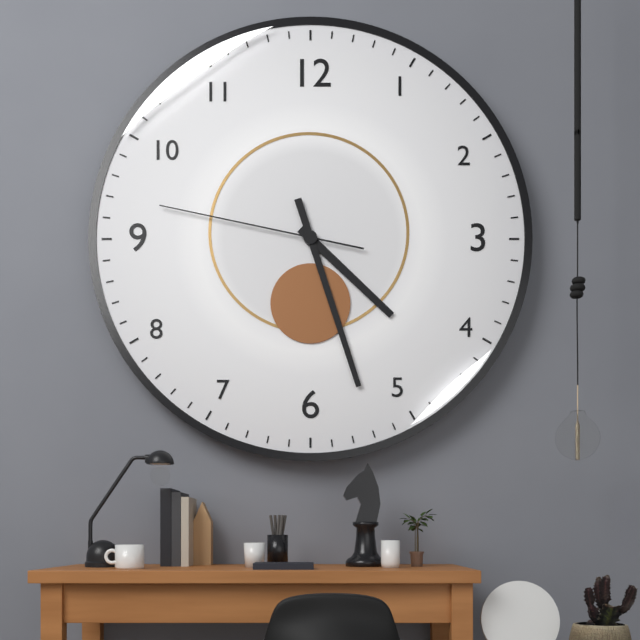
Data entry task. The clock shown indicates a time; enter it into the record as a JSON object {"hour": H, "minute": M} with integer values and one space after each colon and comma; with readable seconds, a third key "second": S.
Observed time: {"hour": 4, "minute": 27, "second": 47}
